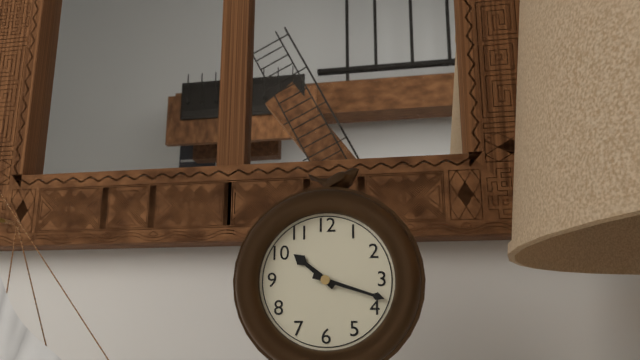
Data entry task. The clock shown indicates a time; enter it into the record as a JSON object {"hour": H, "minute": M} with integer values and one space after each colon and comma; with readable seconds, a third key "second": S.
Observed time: {"hour": 10, "minute": 18}
